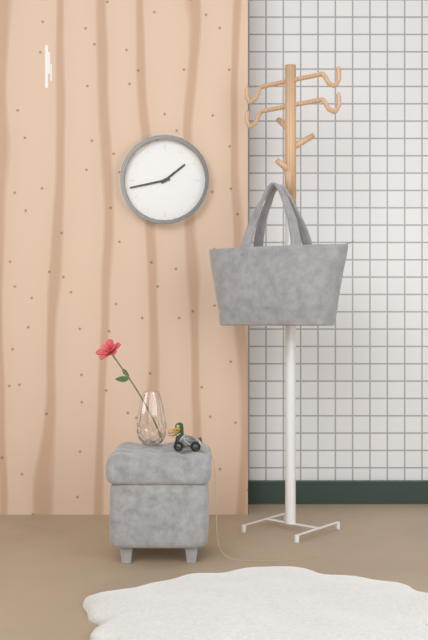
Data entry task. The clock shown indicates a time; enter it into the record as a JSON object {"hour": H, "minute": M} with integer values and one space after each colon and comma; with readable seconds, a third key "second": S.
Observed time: {"hour": 1, "minute": 43}
